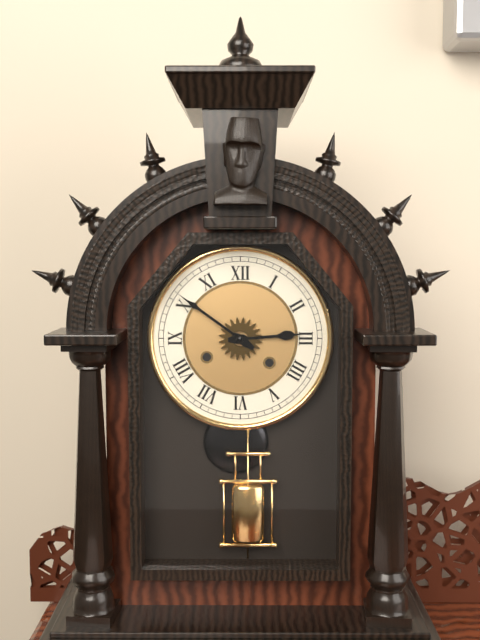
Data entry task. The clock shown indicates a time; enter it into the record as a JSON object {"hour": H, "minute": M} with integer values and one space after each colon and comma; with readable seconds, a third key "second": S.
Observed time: {"hour": 2, "minute": 51}
